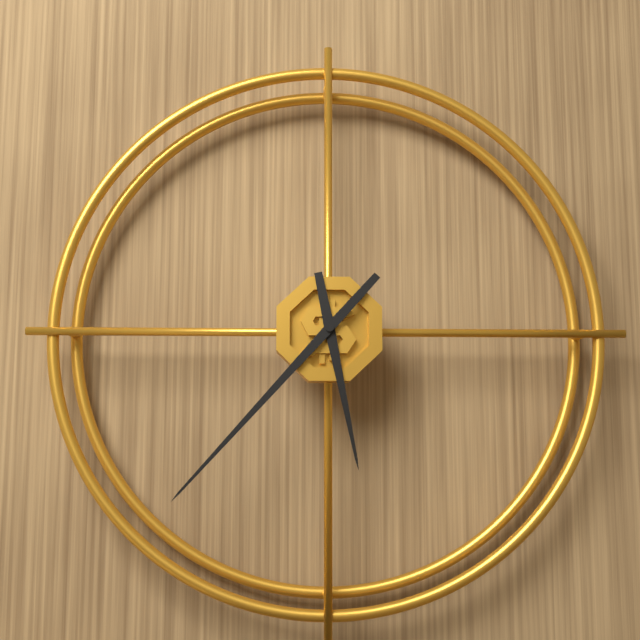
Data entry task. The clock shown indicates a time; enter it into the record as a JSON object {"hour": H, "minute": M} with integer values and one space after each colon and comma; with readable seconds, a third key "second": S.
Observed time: {"hour": 5, "minute": 37}
